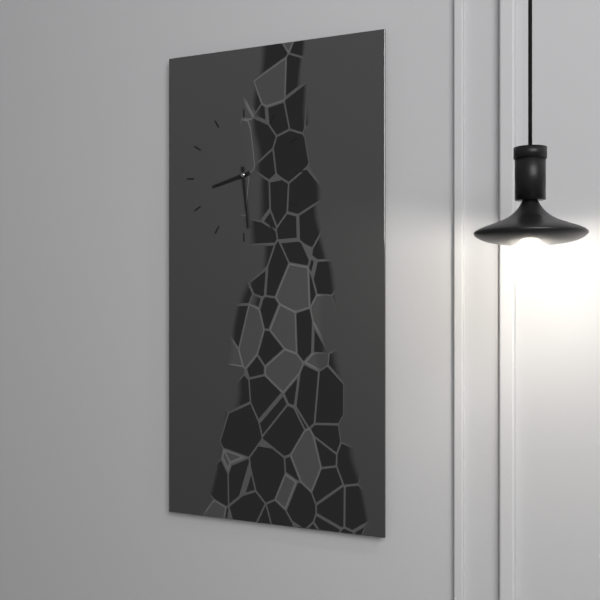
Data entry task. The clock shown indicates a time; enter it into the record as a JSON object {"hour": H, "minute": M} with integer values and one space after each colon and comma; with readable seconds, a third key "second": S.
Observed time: {"hour": 8, "minute": 29}
